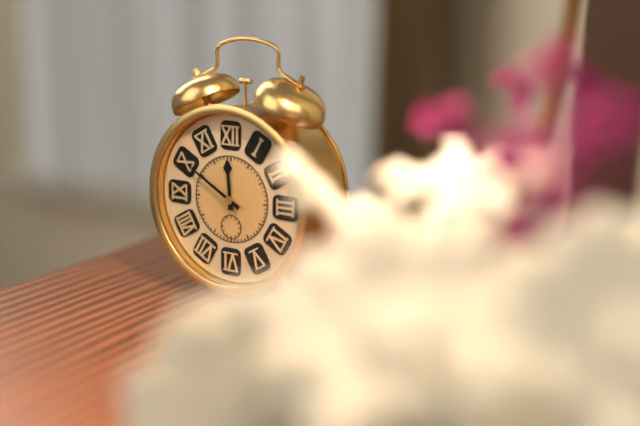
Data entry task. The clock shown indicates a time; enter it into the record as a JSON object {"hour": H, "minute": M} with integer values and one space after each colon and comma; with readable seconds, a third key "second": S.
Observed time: {"hour": 11, "minute": 50}
